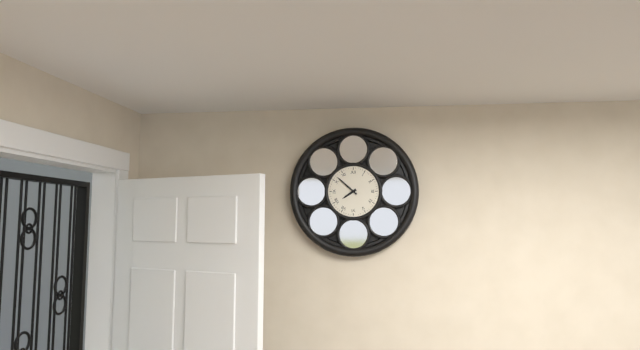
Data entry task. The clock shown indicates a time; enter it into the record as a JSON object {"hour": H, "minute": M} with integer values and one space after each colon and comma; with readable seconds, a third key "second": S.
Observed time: {"hour": 7, "minute": 52}
